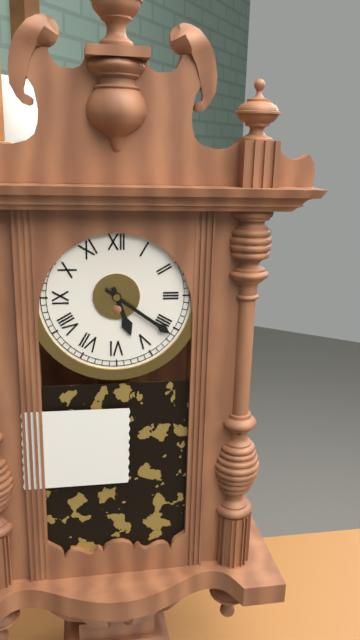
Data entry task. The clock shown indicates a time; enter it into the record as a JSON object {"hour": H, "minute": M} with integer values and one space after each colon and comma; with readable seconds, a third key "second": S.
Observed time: {"hour": 5, "minute": 21}
